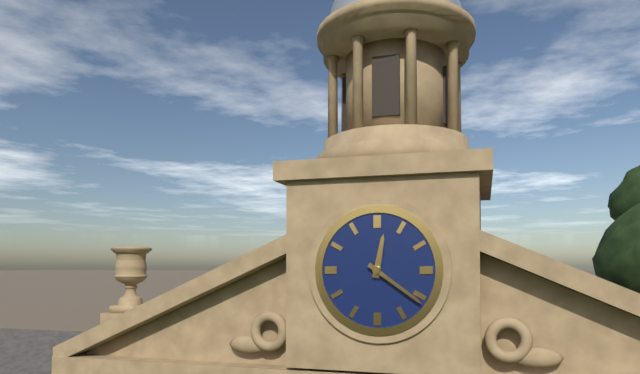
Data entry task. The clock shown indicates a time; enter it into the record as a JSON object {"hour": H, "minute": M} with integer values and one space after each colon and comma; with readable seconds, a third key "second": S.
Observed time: {"hour": 12, "minute": 21}
